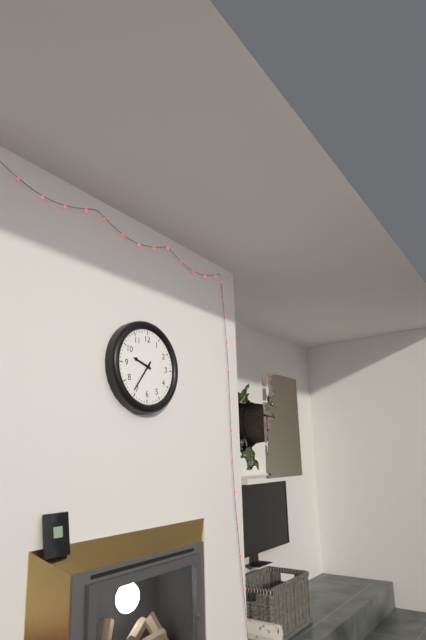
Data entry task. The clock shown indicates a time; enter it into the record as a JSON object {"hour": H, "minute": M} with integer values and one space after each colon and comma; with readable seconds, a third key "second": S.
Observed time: {"hour": 9, "minute": 36}
